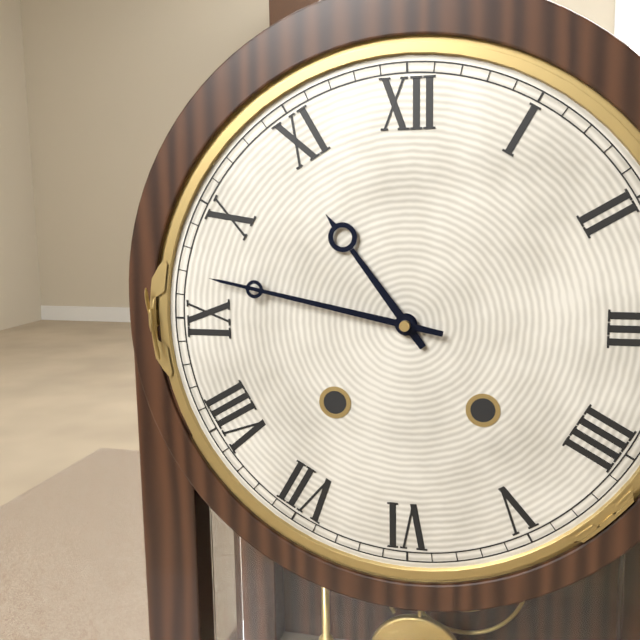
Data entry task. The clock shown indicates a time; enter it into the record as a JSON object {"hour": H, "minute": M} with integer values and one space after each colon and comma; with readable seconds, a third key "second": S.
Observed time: {"hour": 10, "minute": 47}
